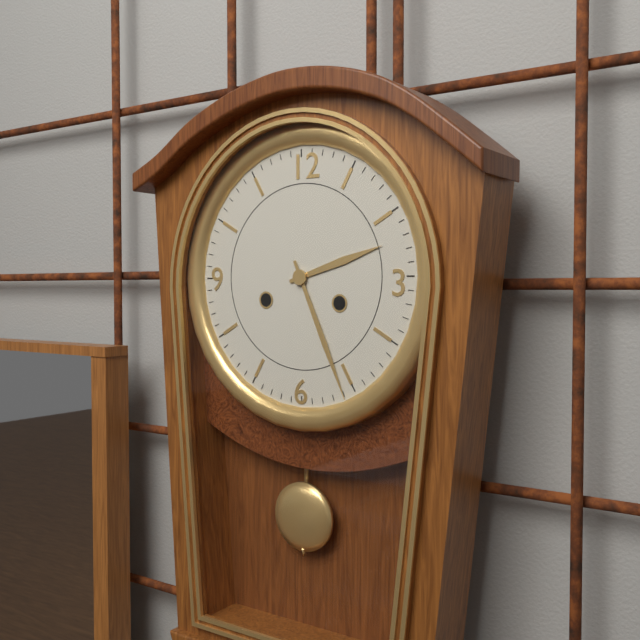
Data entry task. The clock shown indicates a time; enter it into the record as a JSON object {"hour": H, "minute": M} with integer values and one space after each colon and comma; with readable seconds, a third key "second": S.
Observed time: {"hour": 2, "minute": 26}
